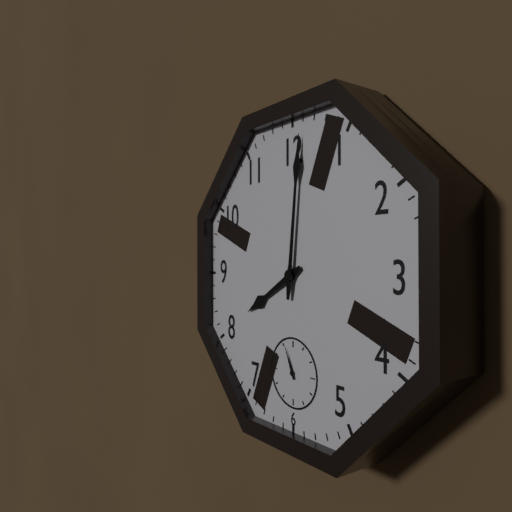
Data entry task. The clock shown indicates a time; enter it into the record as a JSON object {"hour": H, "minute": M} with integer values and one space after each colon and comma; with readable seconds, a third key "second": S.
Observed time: {"hour": 8, "minute": 1}
